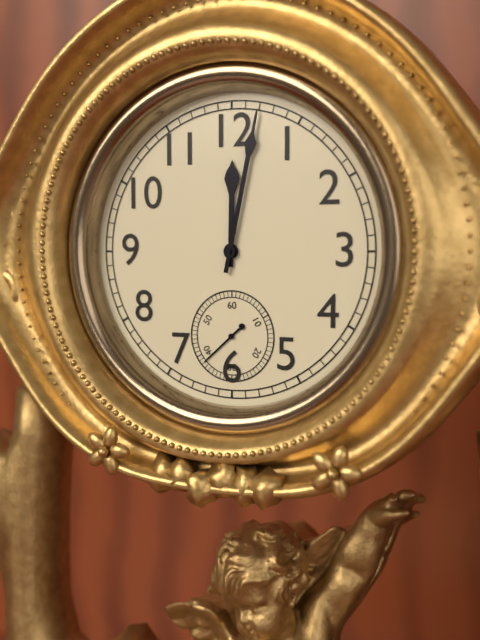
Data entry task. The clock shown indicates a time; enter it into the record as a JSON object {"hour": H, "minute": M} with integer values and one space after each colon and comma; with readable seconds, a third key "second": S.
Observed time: {"hour": 12, "minute": 2}
